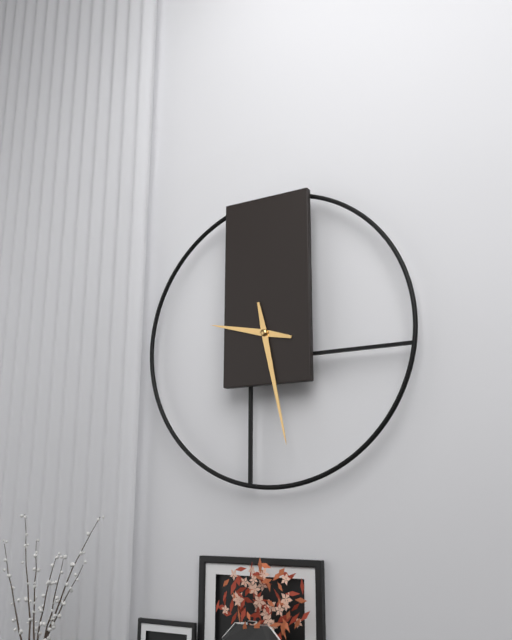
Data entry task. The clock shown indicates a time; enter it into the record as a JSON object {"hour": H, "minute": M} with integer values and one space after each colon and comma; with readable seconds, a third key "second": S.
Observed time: {"hour": 9, "minute": 28}
